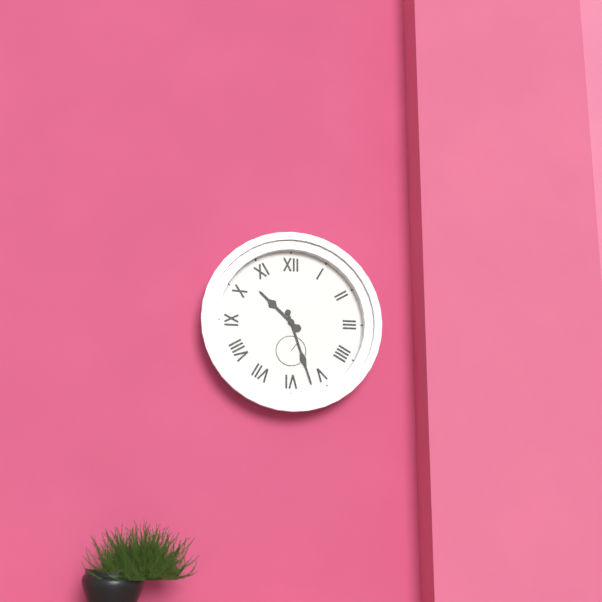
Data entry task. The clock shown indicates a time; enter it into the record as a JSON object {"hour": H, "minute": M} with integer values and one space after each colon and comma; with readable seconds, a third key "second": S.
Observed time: {"hour": 10, "minute": 27}
